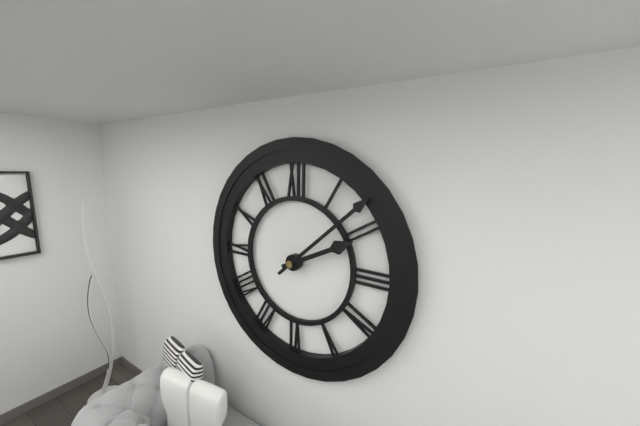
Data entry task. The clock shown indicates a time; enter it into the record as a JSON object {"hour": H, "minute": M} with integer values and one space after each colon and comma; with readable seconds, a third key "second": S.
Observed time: {"hour": 2, "minute": 8}
